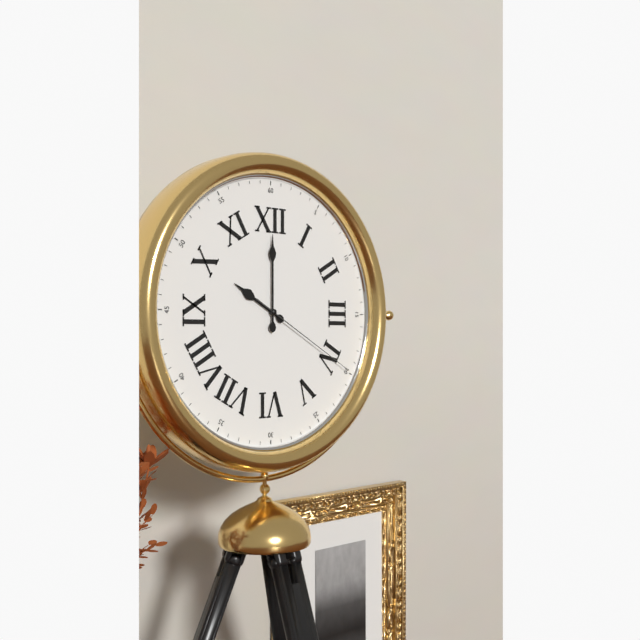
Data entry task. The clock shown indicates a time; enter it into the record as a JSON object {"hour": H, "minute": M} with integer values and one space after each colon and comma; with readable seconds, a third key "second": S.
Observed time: {"hour": 10, "minute": 0, "second": 20}
